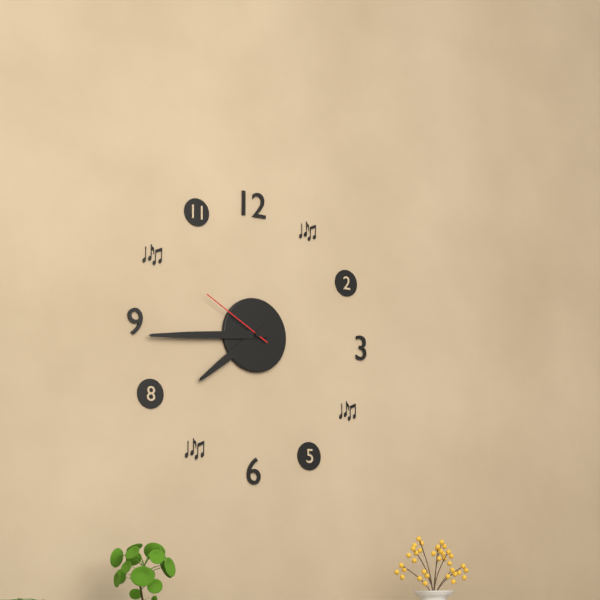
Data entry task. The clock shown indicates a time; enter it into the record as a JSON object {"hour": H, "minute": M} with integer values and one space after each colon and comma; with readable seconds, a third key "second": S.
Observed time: {"hour": 7, "minute": 44, "second": 50}
